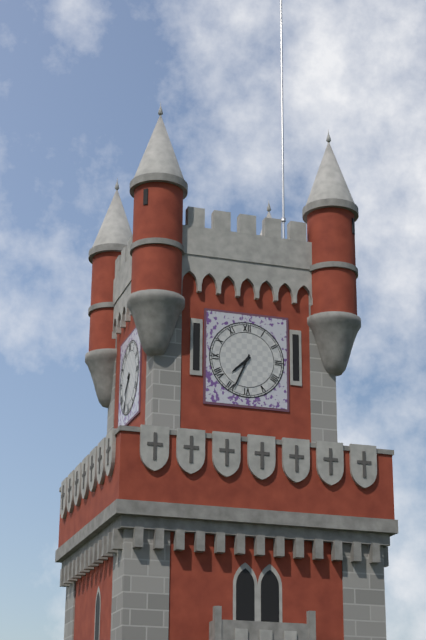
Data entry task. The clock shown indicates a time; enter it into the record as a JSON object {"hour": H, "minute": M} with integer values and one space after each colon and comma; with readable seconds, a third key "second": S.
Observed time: {"hour": 7, "minute": 34}
